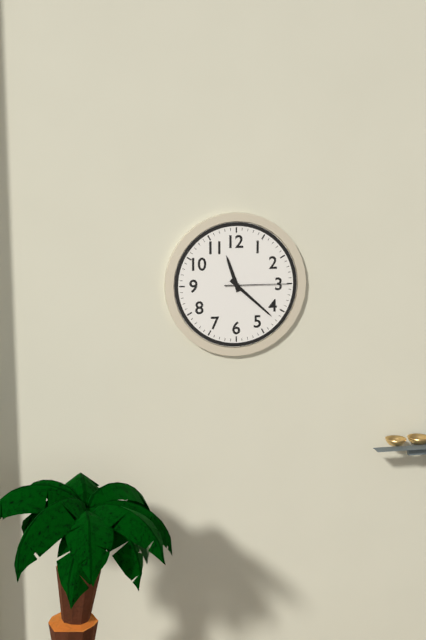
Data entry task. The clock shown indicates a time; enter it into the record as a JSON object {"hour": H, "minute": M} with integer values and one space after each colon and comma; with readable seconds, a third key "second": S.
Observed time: {"hour": 11, "minute": 22, "second": 15}
